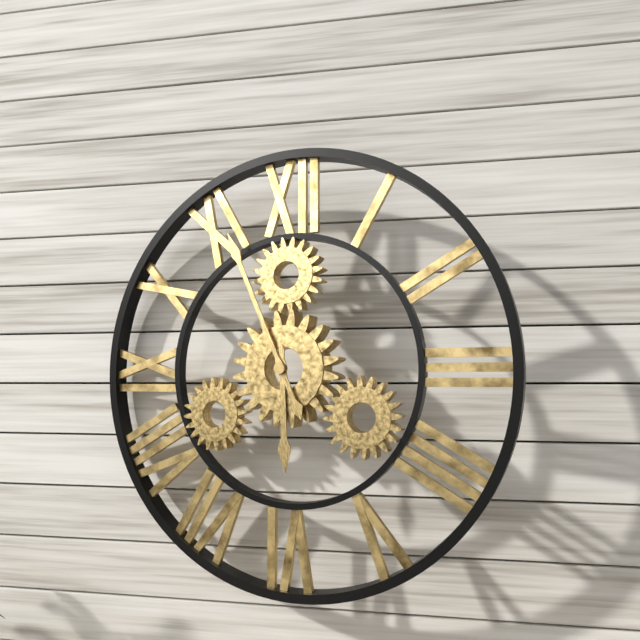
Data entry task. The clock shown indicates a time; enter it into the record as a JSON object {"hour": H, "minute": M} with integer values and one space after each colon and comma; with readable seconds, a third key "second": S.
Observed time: {"hour": 5, "minute": 56}
